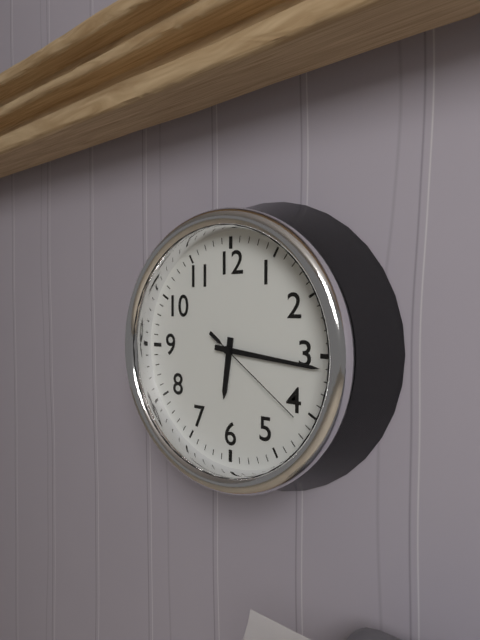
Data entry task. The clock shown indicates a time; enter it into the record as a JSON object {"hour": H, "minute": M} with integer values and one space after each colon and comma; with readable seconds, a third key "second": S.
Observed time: {"hour": 6, "minute": 16, "second": 21}
